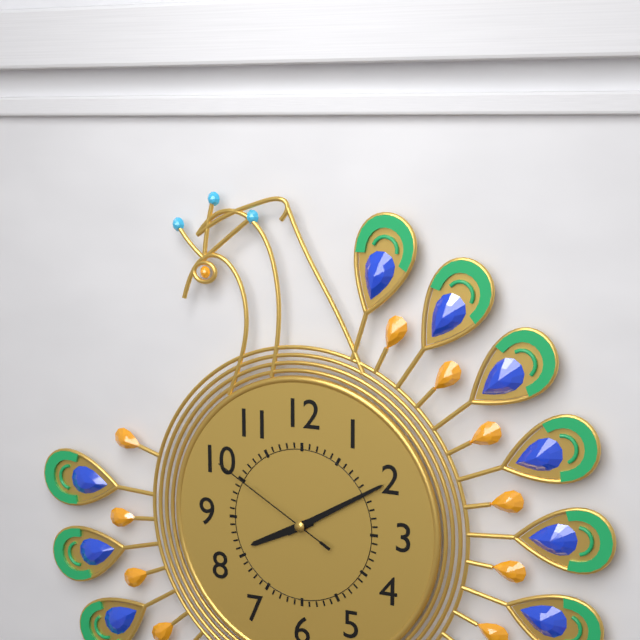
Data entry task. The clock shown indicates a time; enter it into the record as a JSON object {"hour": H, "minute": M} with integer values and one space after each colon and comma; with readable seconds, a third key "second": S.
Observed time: {"hour": 8, "minute": 10, "second": 50}
